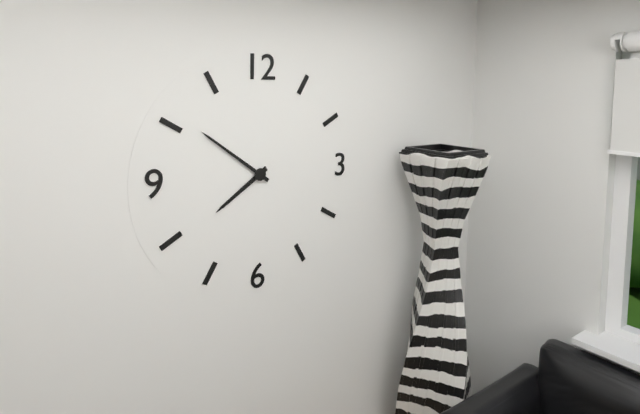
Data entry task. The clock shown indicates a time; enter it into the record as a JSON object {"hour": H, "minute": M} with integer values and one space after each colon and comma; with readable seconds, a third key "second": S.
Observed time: {"hour": 7, "minute": 51}
